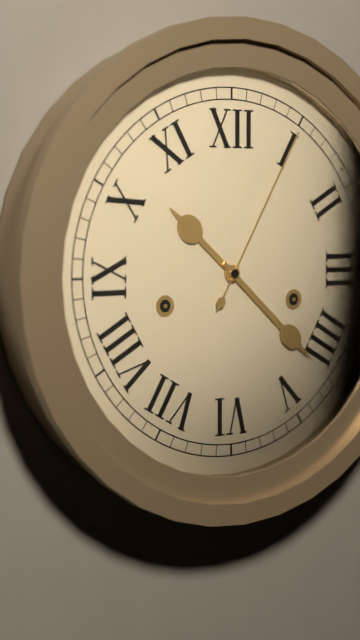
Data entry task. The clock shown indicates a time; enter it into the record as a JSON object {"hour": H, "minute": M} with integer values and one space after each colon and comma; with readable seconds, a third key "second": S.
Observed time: {"hour": 10, "minute": 22, "second": 5}
